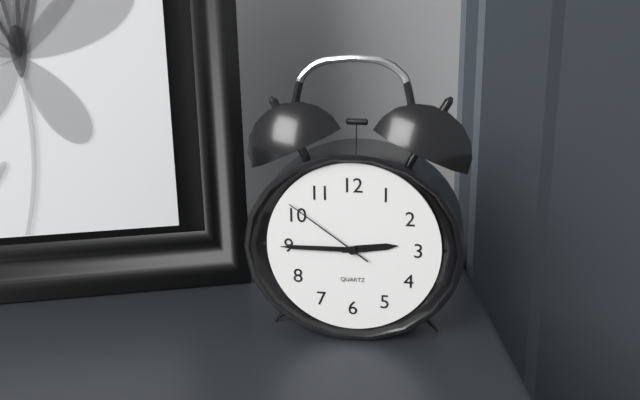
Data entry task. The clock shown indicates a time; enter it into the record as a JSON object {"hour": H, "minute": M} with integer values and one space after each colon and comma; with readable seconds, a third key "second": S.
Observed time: {"hour": 2, "minute": 45, "second": 51}
